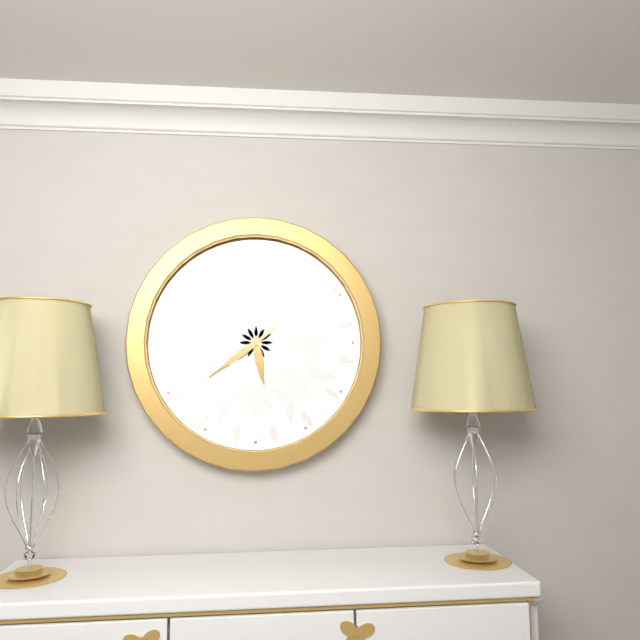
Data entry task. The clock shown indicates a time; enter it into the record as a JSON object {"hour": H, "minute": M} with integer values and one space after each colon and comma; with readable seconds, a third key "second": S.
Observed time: {"hour": 5, "minute": 39}
